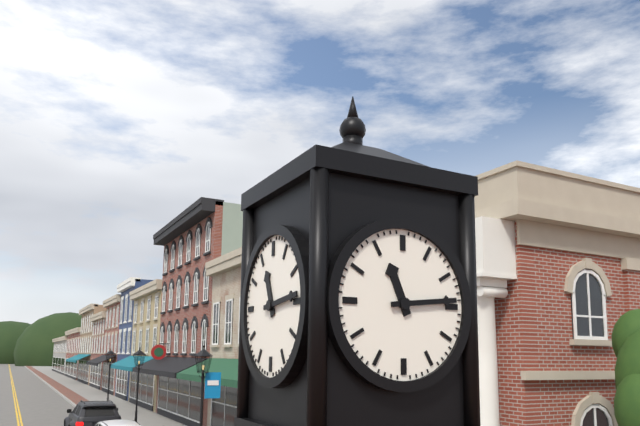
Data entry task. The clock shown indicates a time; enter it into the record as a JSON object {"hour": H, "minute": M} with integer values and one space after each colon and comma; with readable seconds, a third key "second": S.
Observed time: {"hour": 11, "minute": 14}
